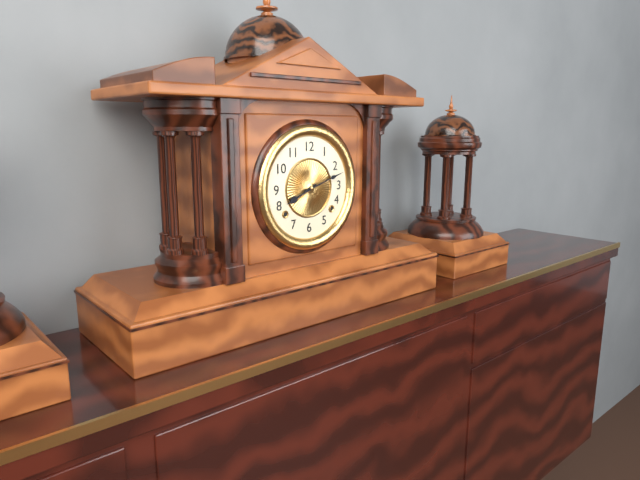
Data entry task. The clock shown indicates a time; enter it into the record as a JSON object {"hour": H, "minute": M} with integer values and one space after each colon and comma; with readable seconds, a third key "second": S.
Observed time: {"hour": 8, "minute": 12}
